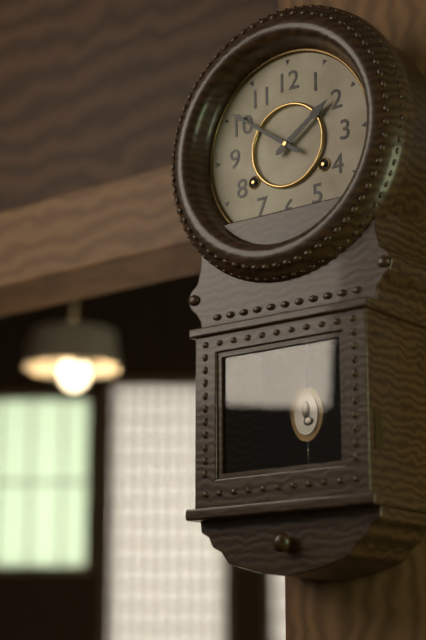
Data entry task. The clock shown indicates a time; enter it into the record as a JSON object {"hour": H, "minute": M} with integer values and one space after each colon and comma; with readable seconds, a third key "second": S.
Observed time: {"hour": 1, "minute": 51}
